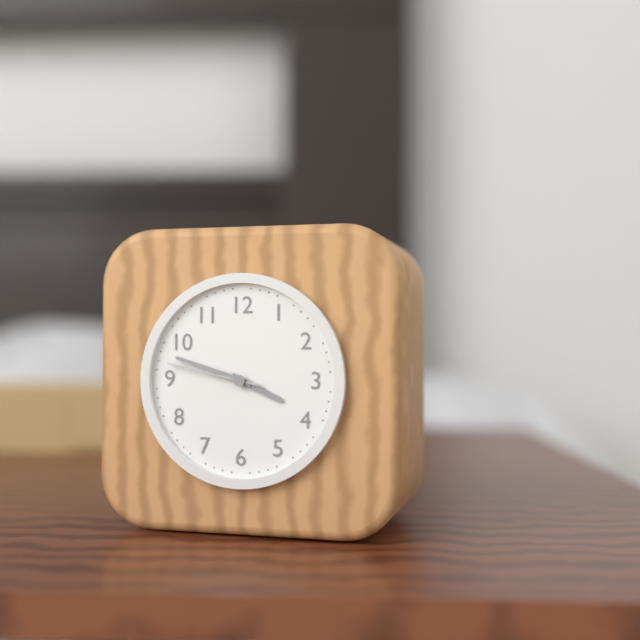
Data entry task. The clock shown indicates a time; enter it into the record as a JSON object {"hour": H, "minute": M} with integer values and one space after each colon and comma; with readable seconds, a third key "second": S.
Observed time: {"hour": 3, "minute": 48, "second": 47}
